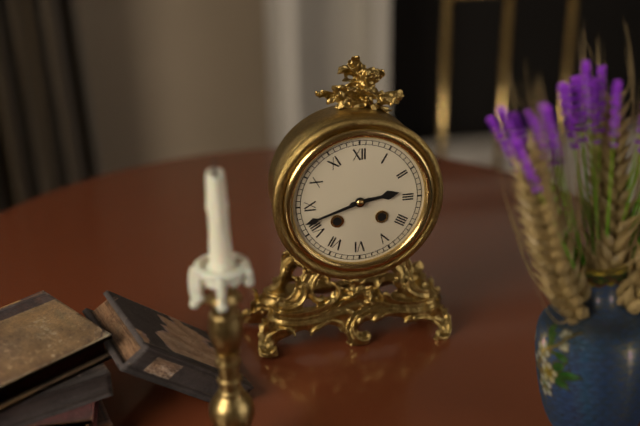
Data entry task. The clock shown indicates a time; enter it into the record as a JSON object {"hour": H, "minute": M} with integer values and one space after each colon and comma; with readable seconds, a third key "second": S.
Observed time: {"hour": 2, "minute": 42}
